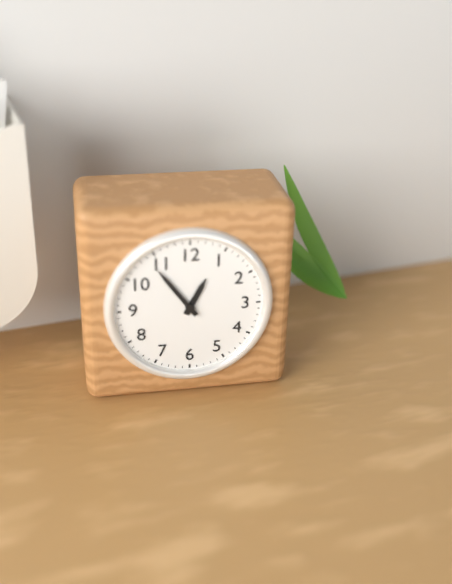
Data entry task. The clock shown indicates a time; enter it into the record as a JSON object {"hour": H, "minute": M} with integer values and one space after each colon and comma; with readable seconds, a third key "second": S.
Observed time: {"hour": 12, "minute": 54}
